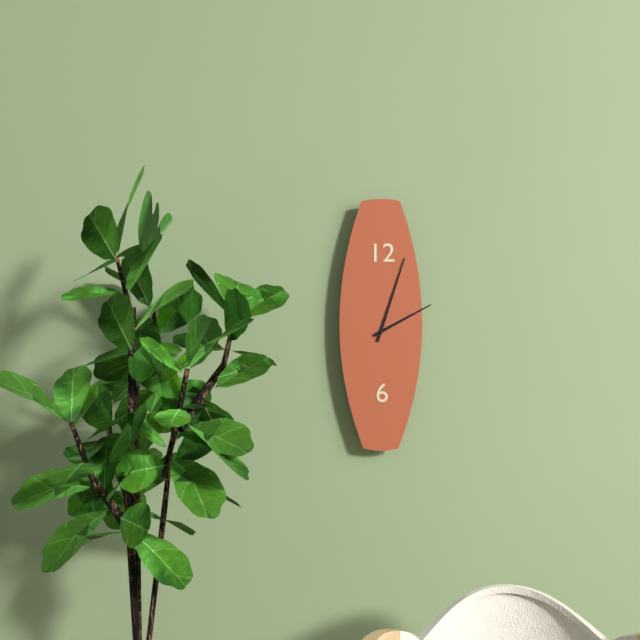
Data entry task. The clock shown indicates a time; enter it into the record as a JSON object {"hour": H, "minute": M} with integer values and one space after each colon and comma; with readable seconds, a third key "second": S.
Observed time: {"hour": 2, "minute": 3}
